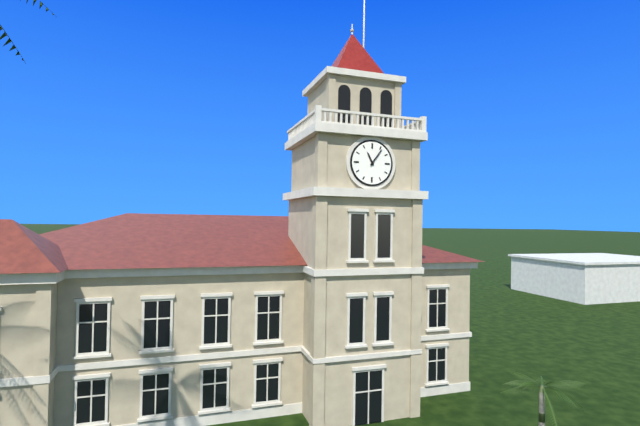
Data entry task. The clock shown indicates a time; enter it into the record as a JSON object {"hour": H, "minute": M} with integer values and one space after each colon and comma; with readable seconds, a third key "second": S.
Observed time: {"hour": 11, "minute": 6}
